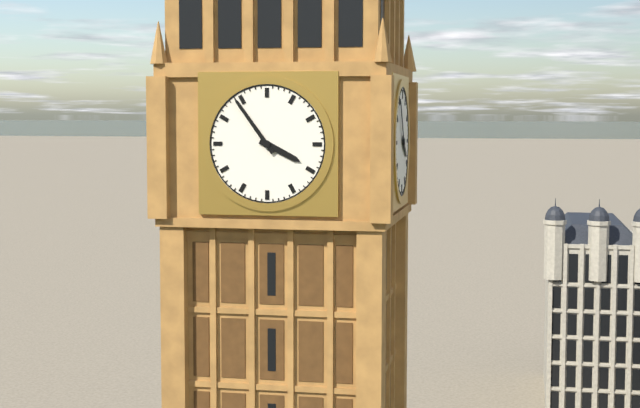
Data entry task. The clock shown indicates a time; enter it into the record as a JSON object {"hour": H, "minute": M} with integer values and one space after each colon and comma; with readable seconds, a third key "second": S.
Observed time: {"hour": 3, "minute": 54}
